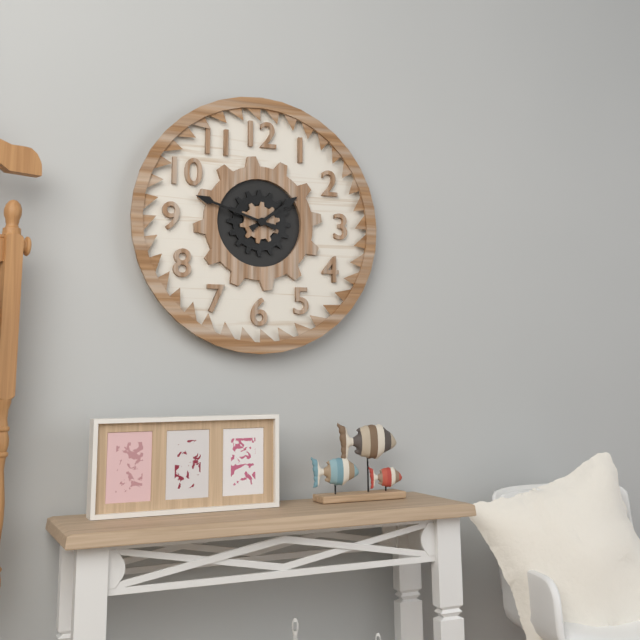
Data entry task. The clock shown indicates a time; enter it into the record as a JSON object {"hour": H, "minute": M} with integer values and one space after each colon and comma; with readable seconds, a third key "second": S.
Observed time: {"hour": 1, "minute": 48}
